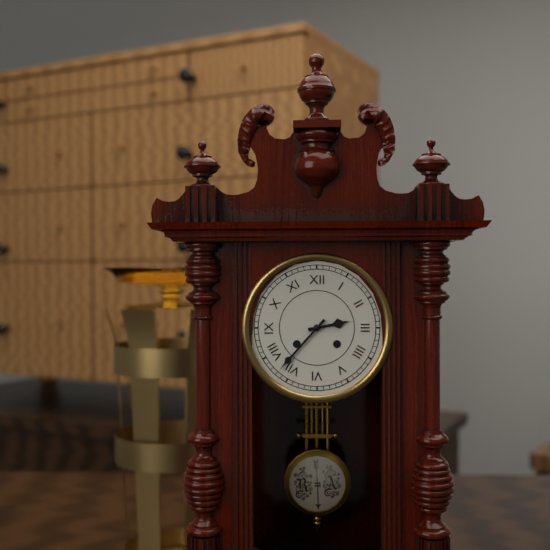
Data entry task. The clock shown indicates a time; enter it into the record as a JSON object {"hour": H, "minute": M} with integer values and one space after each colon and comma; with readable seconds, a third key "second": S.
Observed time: {"hour": 2, "minute": 37}
